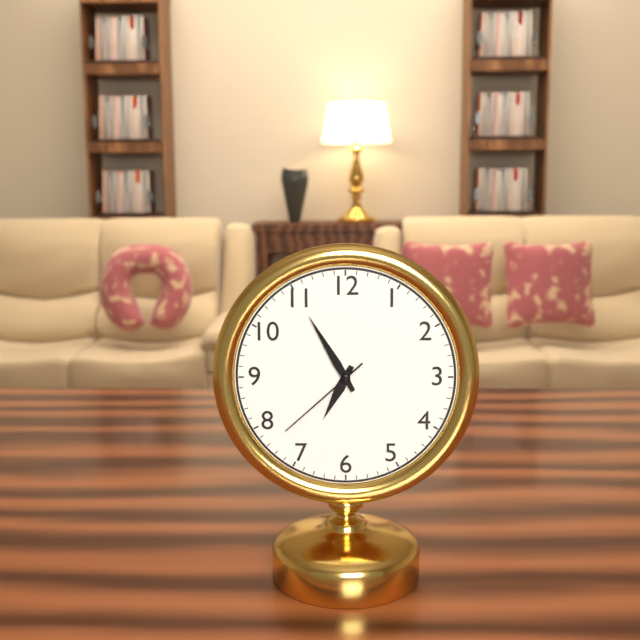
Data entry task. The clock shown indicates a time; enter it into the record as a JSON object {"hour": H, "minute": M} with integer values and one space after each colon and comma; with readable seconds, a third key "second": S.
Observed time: {"hour": 6, "minute": 55, "second": 38}
